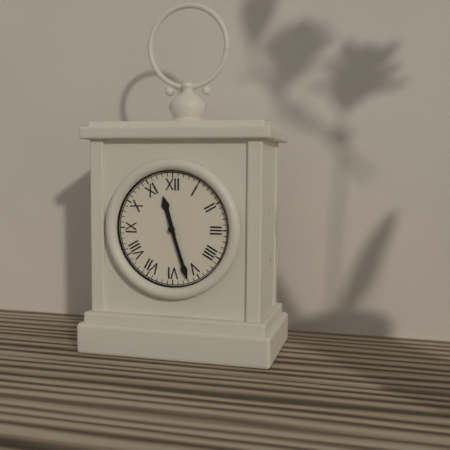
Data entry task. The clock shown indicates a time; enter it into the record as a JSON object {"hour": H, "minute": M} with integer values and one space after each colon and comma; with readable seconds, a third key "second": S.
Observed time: {"hour": 11, "minute": 27}
